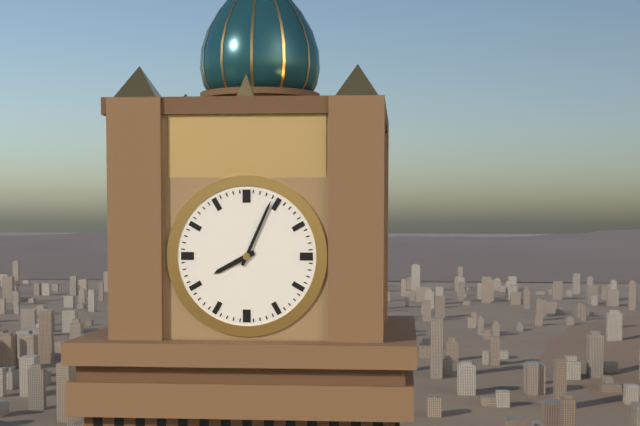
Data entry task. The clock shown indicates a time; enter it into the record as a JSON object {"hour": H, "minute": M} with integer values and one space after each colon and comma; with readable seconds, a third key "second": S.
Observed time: {"hour": 8, "minute": 4}
